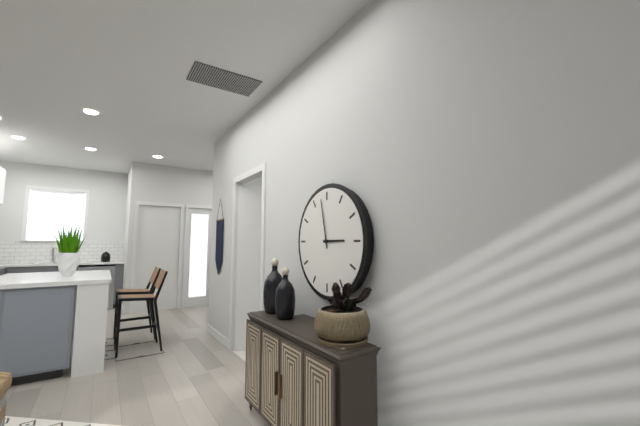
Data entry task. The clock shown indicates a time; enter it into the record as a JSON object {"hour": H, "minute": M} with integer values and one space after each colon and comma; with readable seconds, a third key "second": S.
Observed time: {"hour": 2, "minute": 58}
